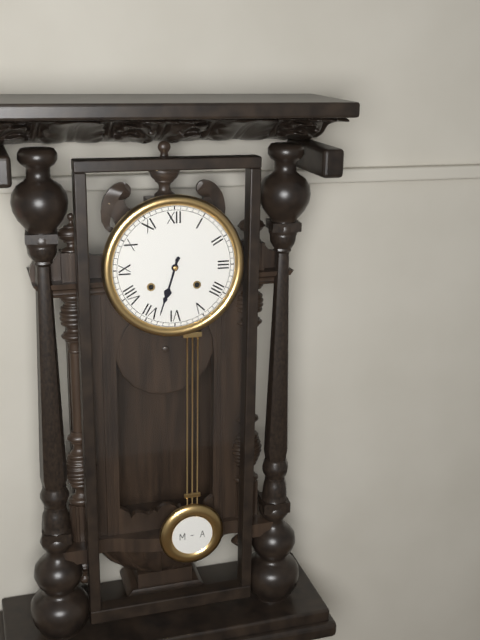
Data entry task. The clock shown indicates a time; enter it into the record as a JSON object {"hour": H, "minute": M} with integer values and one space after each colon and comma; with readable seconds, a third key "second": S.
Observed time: {"hour": 6, "minute": 33}
